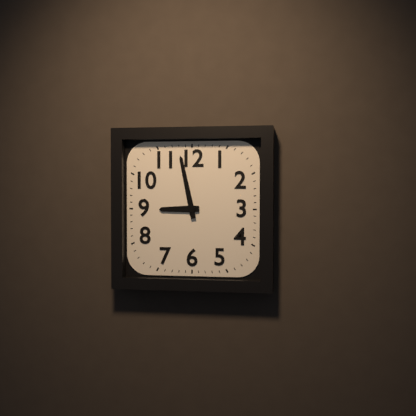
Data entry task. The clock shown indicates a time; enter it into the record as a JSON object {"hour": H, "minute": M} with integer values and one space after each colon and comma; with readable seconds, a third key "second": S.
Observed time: {"hour": 8, "minute": 58}
